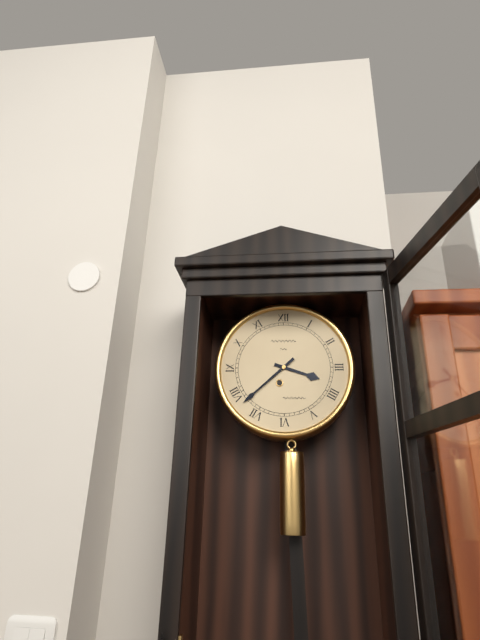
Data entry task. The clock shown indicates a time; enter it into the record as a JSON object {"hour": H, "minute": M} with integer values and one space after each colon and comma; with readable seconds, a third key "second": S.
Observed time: {"hour": 3, "minute": 38}
